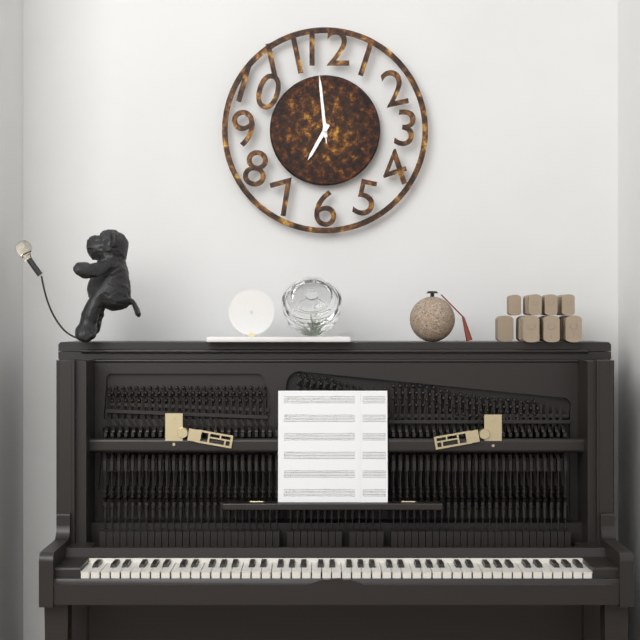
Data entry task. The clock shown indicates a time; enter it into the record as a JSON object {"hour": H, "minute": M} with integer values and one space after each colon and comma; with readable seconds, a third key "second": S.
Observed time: {"hour": 6, "minute": 59, "second": 59}
